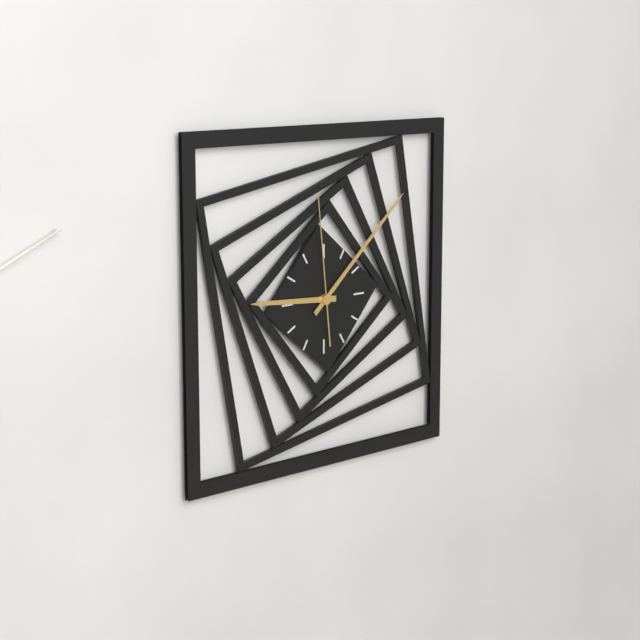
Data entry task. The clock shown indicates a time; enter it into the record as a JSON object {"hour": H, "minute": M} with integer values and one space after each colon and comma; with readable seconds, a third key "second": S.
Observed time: {"hour": 9, "minute": 8, "second": 59}
